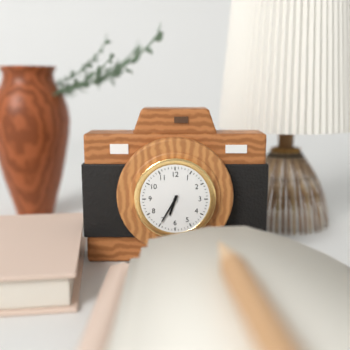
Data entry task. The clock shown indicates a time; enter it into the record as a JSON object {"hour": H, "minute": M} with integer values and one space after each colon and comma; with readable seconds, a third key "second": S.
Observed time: {"hour": 6, "minute": 35}
